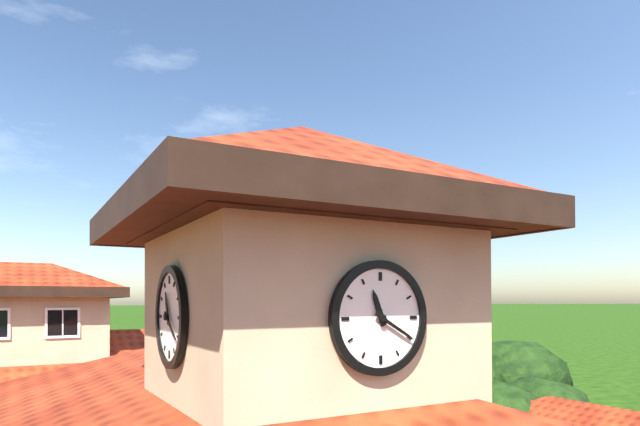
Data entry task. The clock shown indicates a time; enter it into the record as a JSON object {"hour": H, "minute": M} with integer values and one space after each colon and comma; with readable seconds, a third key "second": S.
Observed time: {"hour": 11, "minute": 20}
